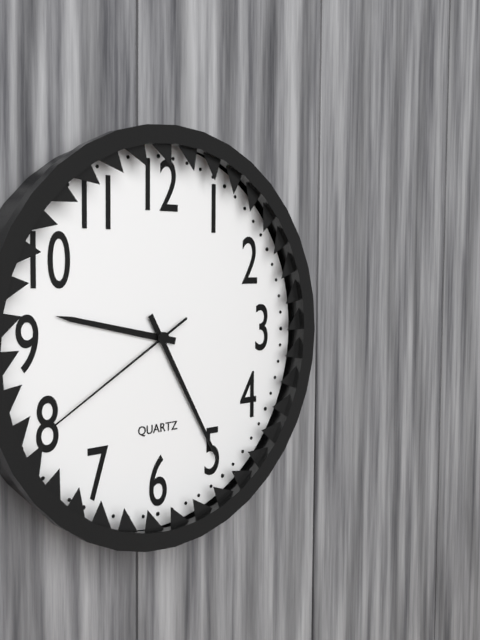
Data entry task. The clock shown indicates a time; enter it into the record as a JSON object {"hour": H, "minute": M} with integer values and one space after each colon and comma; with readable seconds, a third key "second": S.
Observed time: {"hour": 9, "minute": 25, "second": 40}
